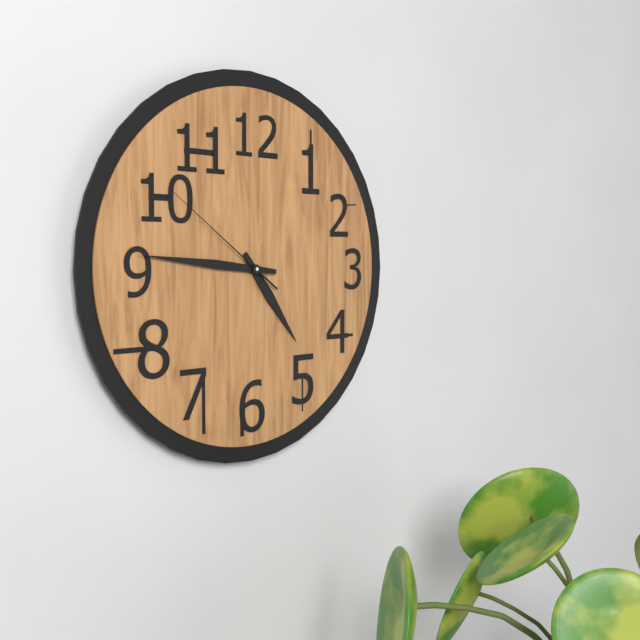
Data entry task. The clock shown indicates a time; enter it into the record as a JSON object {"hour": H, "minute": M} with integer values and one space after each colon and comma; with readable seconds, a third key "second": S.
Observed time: {"hour": 4, "minute": 46, "second": 51}
